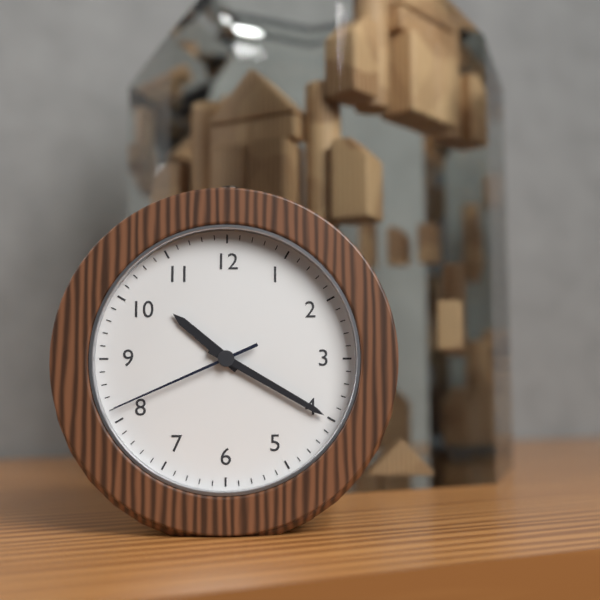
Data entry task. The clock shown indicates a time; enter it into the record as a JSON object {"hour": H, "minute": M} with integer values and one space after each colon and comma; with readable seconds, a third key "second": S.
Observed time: {"hour": 10, "minute": 20, "second": 41}
